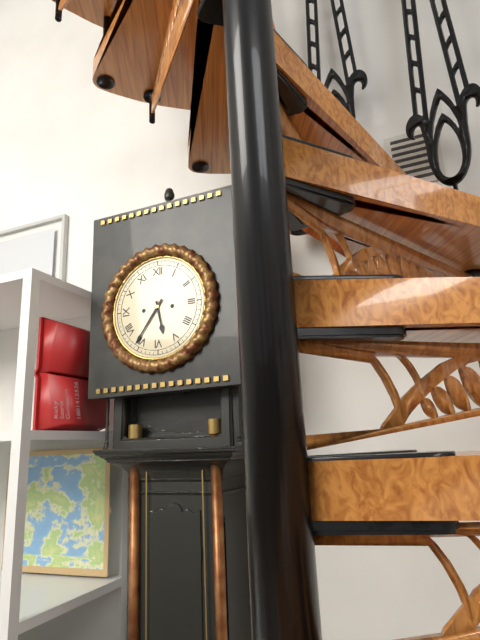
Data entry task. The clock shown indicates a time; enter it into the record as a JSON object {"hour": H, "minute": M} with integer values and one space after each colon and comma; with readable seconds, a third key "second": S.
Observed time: {"hour": 5, "minute": 36}
